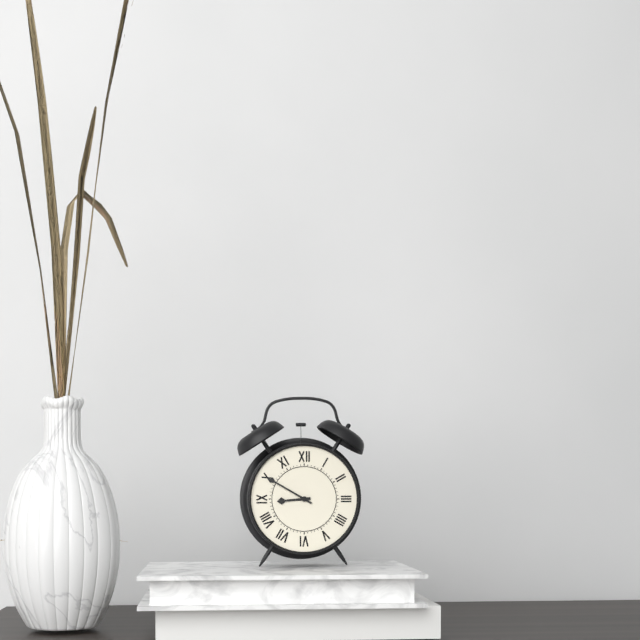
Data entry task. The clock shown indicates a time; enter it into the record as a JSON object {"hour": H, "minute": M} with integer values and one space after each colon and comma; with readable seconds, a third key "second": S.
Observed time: {"hour": 8, "minute": 50}
